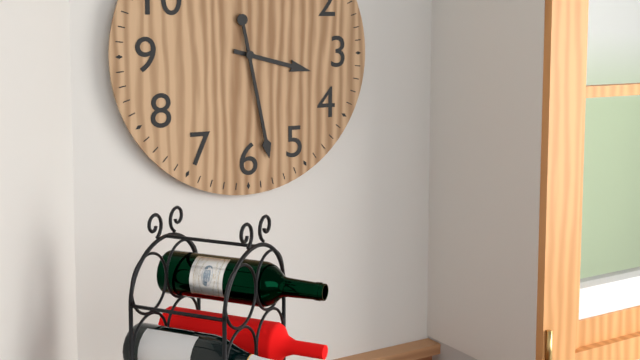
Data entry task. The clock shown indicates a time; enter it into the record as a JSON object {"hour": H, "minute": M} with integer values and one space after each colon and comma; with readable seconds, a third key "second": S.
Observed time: {"hour": 3, "minute": 28}
